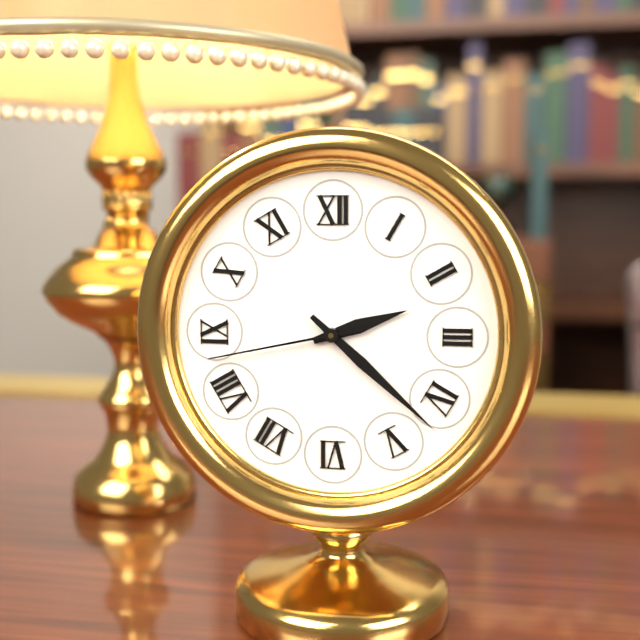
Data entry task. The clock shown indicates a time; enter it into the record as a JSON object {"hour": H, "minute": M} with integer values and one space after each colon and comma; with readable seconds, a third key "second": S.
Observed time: {"hour": 2, "minute": 22, "second": 43}
